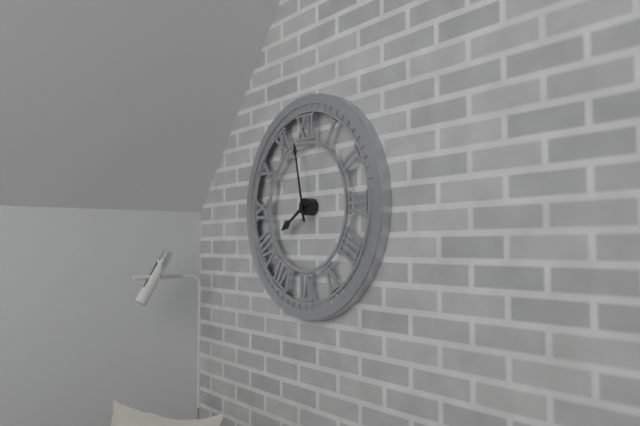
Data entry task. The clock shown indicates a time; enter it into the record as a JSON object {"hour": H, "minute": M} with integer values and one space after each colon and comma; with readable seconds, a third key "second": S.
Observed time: {"hour": 7, "minute": 58}
